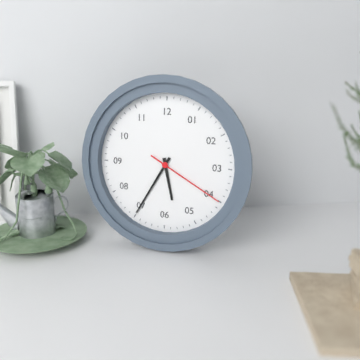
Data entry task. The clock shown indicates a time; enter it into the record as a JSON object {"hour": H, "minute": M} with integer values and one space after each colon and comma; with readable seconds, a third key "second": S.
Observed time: {"hour": 5, "minute": 35, "second": 20}
